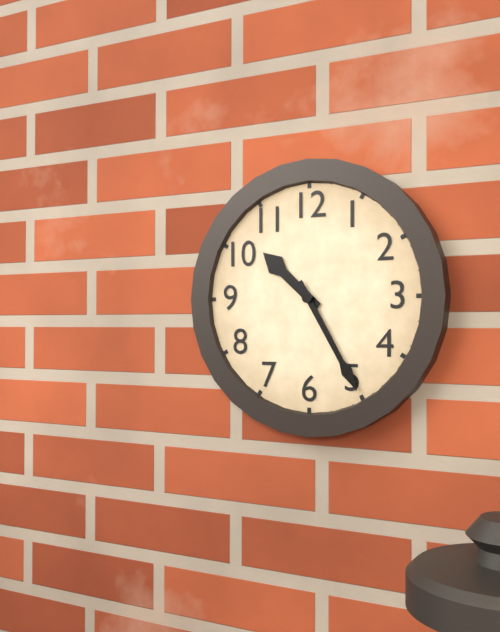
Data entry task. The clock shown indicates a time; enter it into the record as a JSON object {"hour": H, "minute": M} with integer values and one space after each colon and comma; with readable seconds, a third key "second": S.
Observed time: {"hour": 10, "minute": 25}
